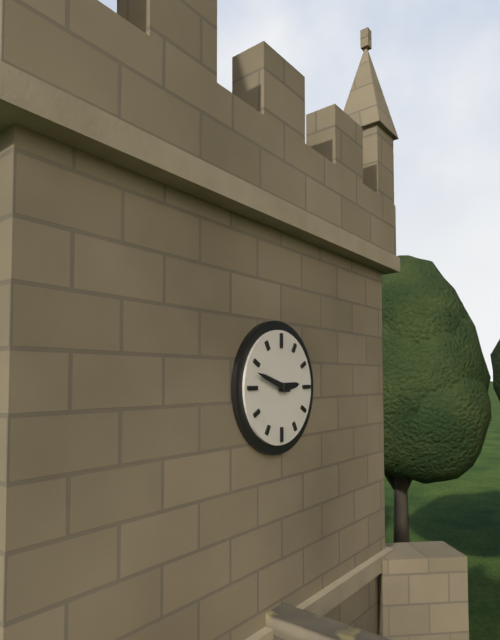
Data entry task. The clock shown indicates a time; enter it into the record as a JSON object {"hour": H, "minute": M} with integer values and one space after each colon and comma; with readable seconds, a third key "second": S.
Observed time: {"hour": 2, "minute": 48}
